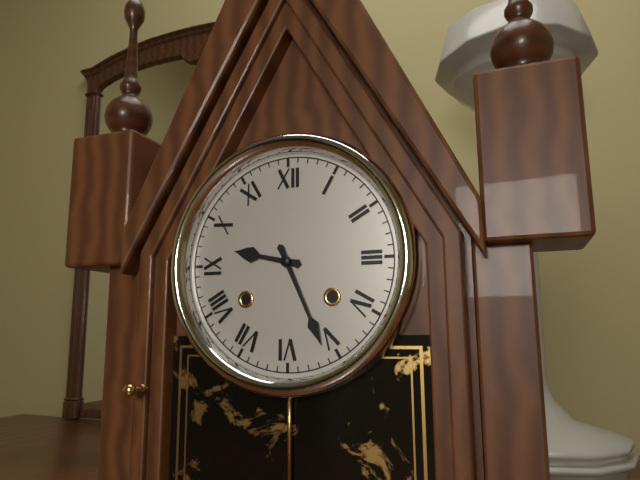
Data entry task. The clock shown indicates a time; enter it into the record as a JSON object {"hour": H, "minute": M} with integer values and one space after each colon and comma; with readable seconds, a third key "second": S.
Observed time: {"hour": 9, "minute": 26}
